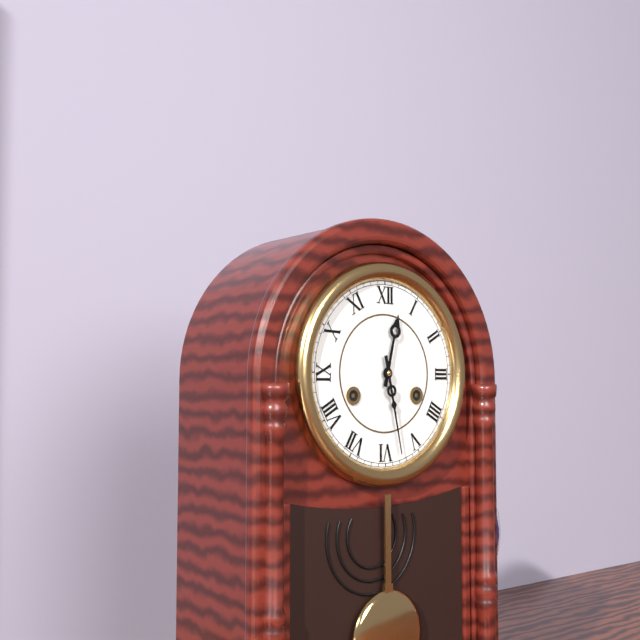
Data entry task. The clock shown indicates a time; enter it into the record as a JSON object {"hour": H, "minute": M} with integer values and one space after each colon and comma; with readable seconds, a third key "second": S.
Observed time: {"hour": 12, "minute": 28}
